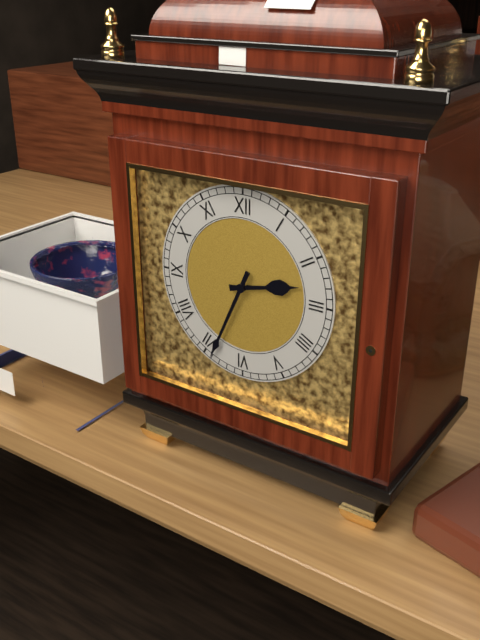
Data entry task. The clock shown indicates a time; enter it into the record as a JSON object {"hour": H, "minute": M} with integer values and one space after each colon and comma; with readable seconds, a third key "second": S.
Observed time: {"hour": 2, "minute": 34}
